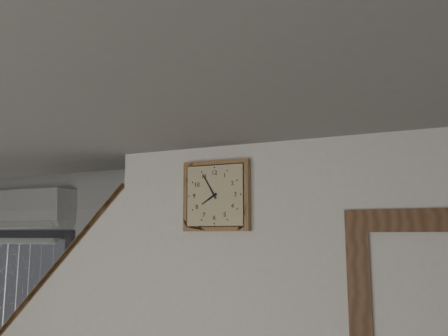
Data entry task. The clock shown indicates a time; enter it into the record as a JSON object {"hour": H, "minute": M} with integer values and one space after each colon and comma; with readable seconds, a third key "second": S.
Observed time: {"hour": 7, "minute": 55}
